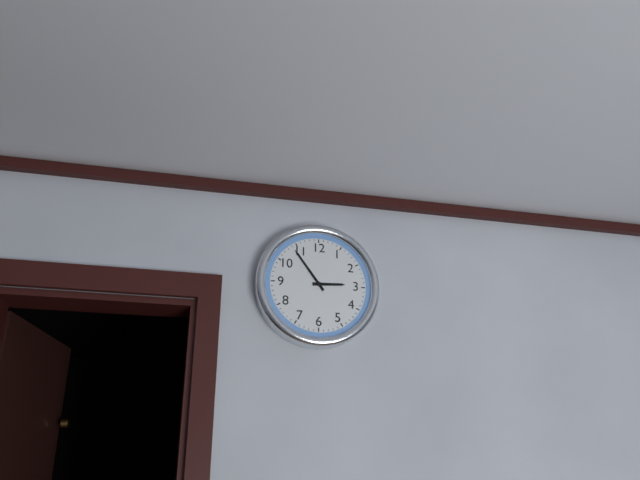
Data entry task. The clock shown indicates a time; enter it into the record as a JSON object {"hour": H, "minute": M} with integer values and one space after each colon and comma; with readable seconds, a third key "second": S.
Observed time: {"hour": 2, "minute": 54}
